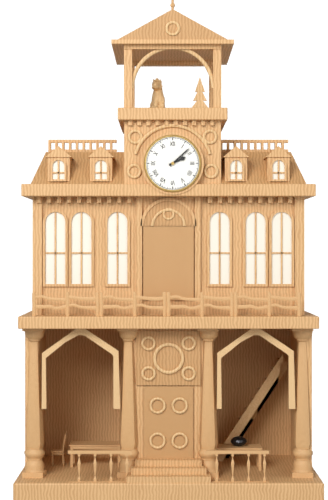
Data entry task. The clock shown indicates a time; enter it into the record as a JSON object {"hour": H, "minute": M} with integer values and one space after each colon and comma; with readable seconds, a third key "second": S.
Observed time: {"hour": 2, "minute": 8}
